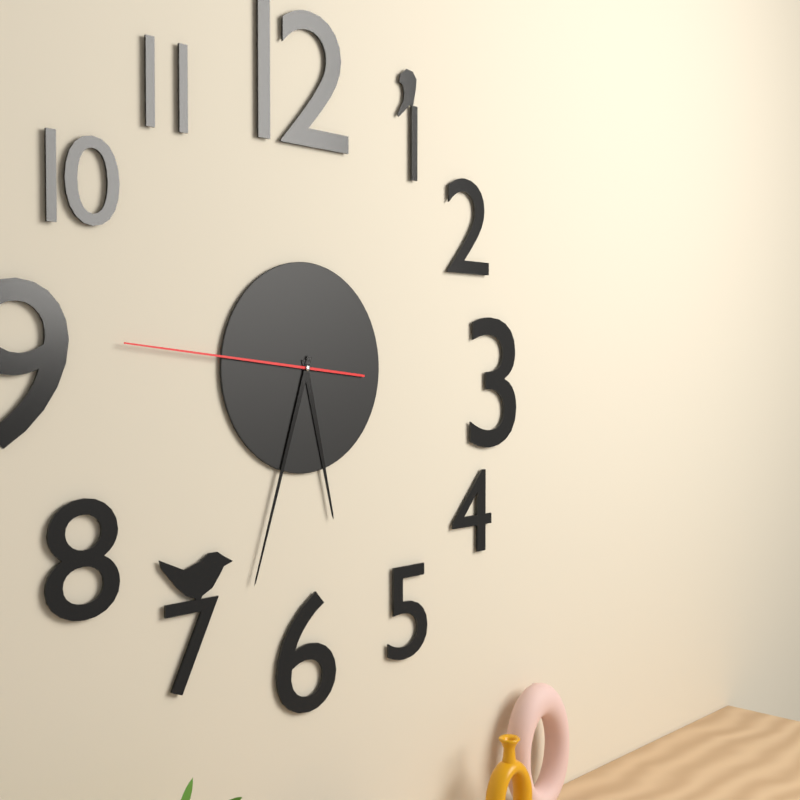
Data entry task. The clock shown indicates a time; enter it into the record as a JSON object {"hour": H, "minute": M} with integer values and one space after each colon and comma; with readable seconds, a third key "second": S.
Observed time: {"hour": 5, "minute": 33, "second": 46}
